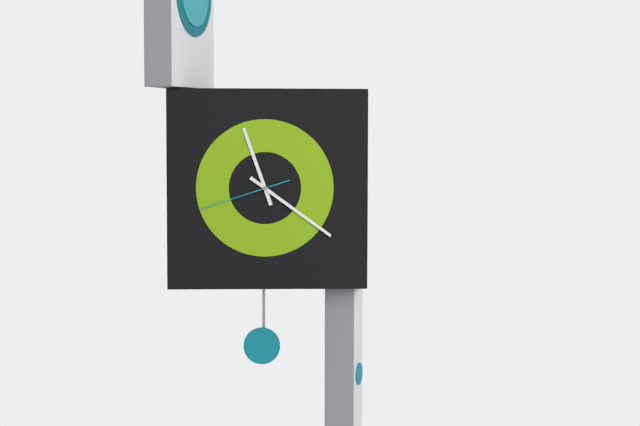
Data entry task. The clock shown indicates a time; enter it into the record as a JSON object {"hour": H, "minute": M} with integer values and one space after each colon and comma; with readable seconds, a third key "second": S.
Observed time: {"hour": 11, "minute": 21, "second": 42}
